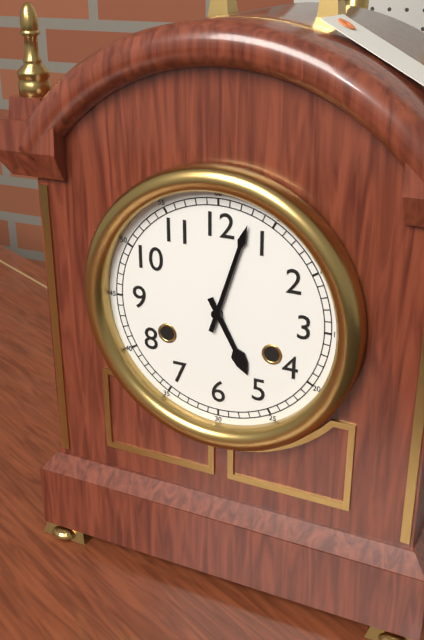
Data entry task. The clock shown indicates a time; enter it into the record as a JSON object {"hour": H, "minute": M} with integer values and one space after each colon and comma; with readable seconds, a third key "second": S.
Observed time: {"hour": 5, "minute": 3}
